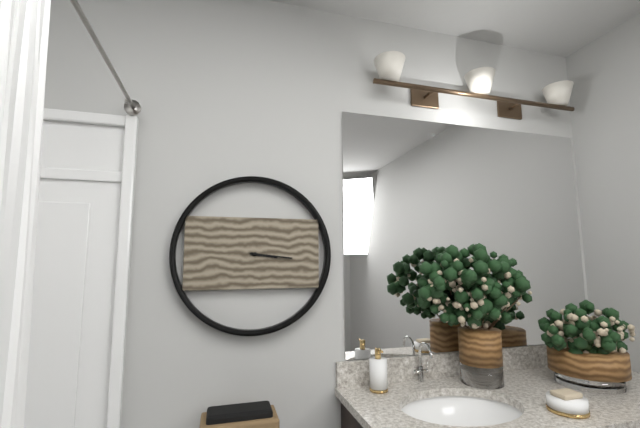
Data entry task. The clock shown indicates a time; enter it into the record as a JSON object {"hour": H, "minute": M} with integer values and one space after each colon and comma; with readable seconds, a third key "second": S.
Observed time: {"hour": 3, "minute": 16}
